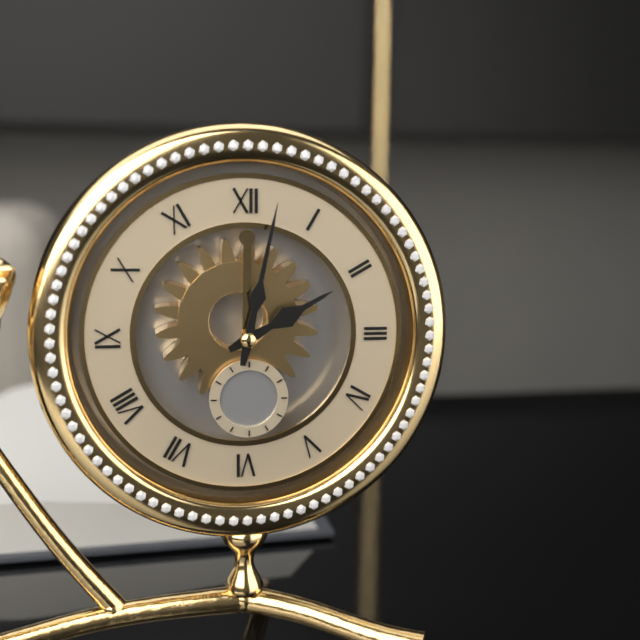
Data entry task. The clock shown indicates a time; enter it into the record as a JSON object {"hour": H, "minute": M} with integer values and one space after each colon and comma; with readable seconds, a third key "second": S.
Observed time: {"hour": 2, "minute": 2}
